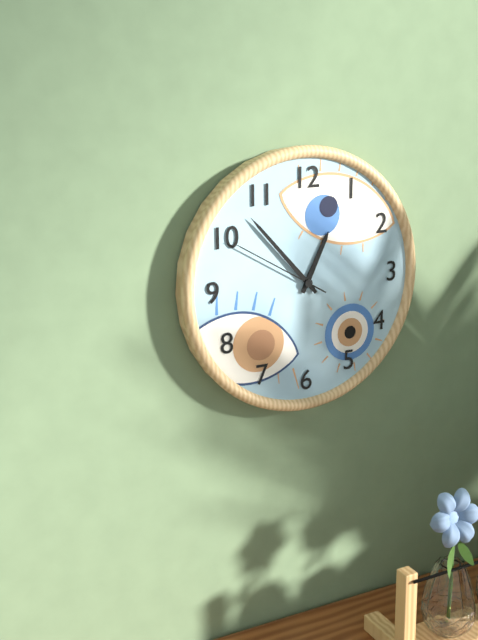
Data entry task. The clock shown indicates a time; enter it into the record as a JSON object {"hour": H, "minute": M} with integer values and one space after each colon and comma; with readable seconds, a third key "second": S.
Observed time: {"hour": 12, "minute": 53, "second": 50}
